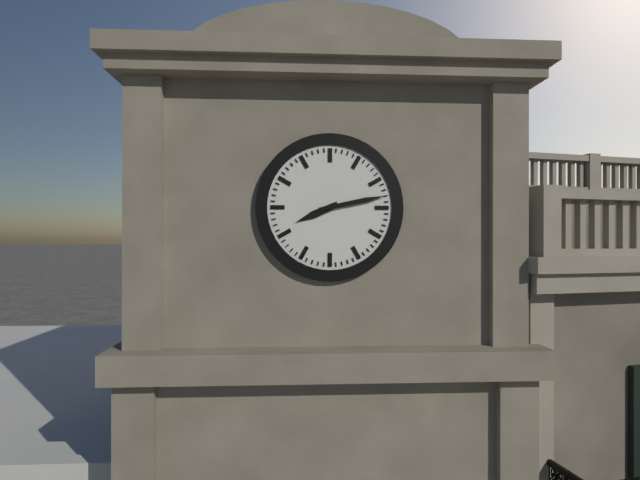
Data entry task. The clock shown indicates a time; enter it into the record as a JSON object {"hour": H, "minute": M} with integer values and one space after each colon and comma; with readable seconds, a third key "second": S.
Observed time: {"hour": 8, "minute": 13}
